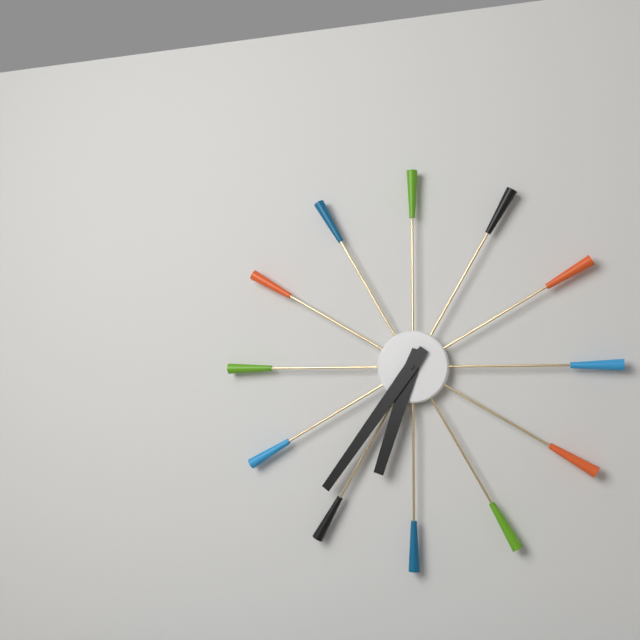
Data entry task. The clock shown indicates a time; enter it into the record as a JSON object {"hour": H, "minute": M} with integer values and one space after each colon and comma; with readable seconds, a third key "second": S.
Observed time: {"hour": 6, "minute": 36}
